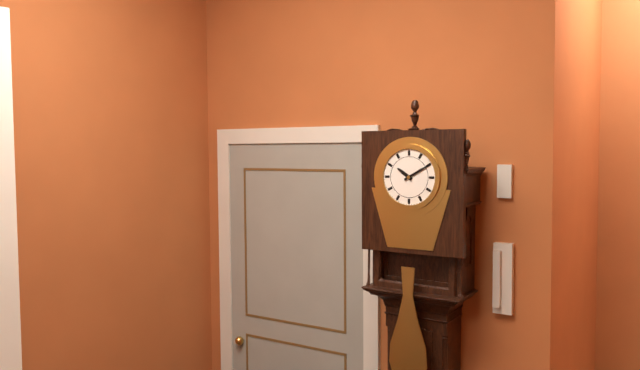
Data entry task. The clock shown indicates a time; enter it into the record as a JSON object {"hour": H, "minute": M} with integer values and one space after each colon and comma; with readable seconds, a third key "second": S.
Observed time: {"hour": 10, "minute": 10}
